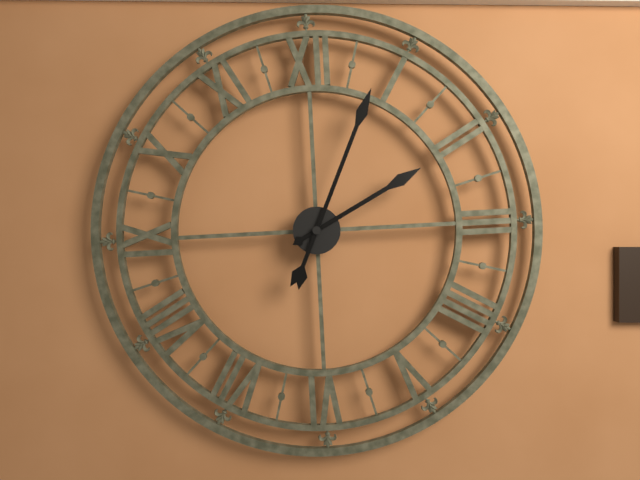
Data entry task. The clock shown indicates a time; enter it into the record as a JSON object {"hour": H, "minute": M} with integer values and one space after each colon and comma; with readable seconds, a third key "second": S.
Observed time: {"hour": 2, "minute": 4}
